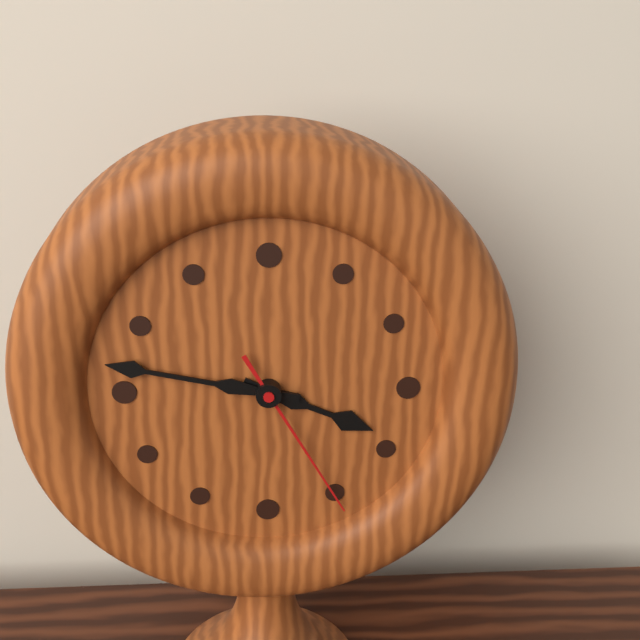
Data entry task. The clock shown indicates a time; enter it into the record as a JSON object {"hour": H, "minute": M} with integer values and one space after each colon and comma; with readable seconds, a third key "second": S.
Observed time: {"hour": 3, "minute": 47, "second": 25}
